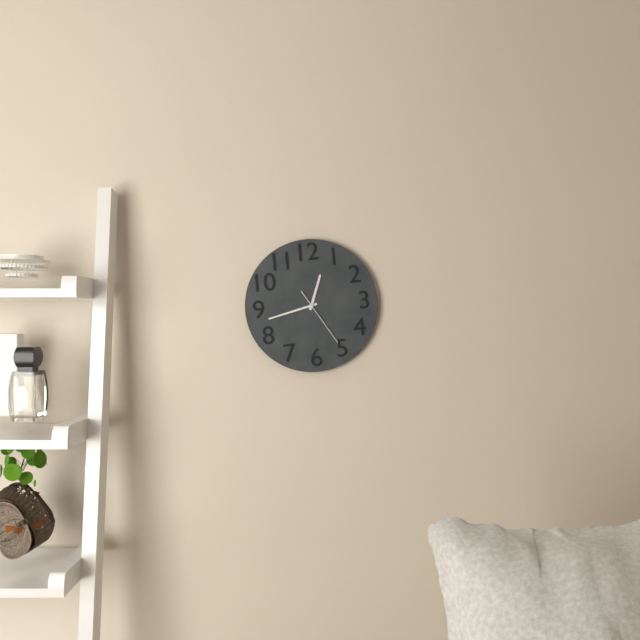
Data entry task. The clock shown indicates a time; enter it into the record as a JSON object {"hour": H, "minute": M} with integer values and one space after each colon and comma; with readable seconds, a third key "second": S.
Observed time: {"hour": 12, "minute": 43, "second": 25}
